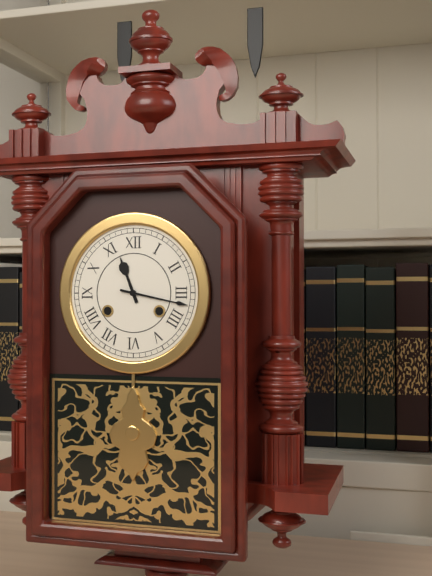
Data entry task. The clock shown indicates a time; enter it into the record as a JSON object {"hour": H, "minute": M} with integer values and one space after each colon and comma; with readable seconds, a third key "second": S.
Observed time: {"hour": 11, "minute": 17}
